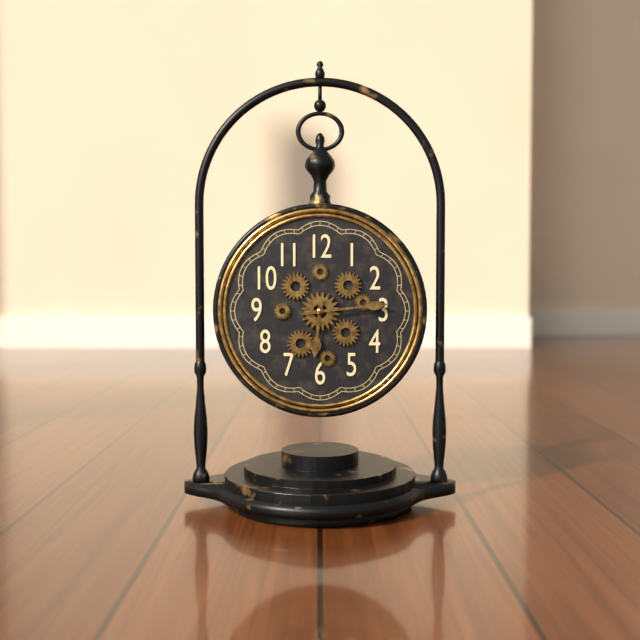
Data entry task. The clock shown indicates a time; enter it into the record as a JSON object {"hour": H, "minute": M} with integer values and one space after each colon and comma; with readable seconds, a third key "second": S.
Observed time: {"hour": 6, "minute": 14}
